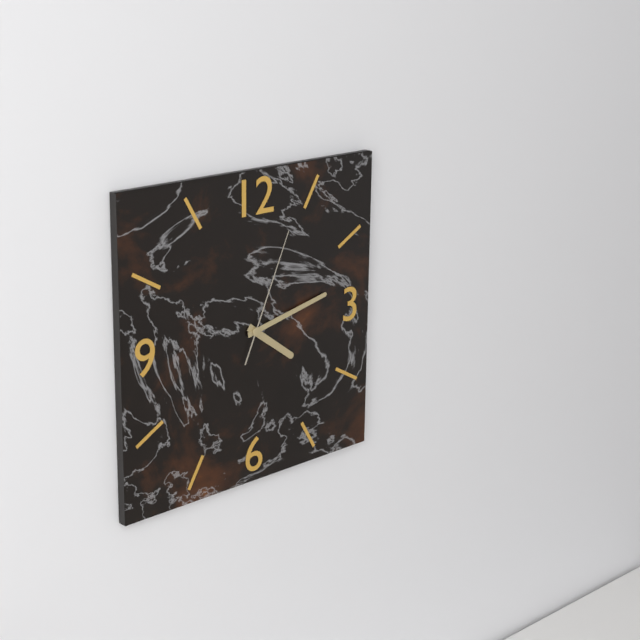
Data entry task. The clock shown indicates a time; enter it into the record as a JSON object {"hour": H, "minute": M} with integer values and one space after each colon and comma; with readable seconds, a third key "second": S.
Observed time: {"hour": 4, "minute": 13, "second": 4}
